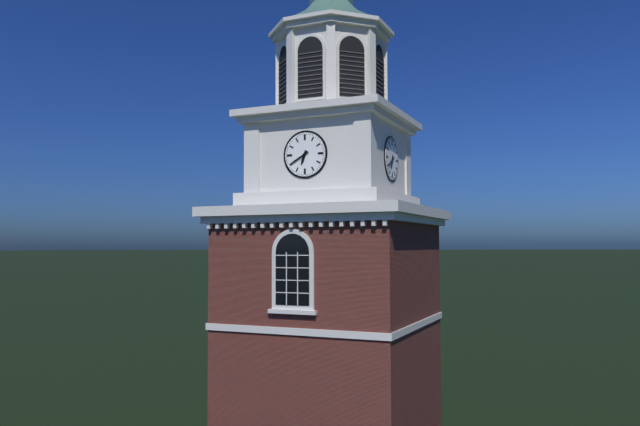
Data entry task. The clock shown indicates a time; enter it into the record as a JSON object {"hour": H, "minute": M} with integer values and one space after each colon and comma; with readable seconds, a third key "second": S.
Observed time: {"hour": 6, "minute": 40}
